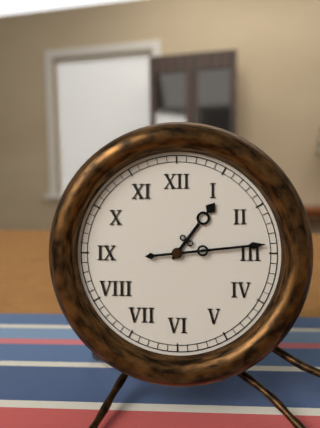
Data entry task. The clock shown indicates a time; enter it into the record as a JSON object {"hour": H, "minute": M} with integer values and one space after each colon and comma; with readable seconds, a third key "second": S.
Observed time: {"hour": 1, "minute": 14}
